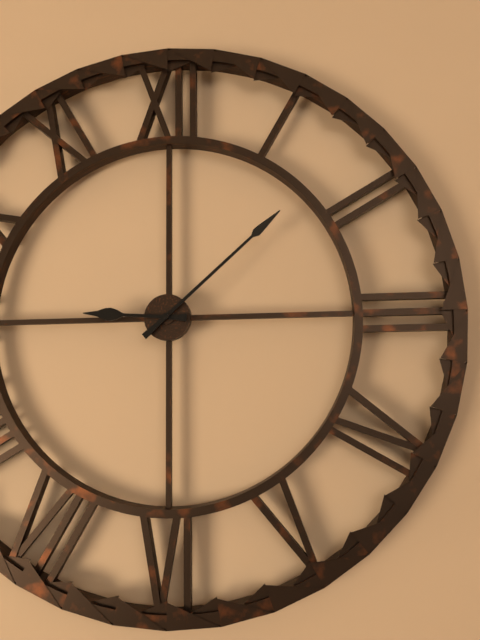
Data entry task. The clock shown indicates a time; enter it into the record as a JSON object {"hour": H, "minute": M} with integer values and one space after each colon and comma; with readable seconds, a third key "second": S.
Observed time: {"hour": 9, "minute": 8}
